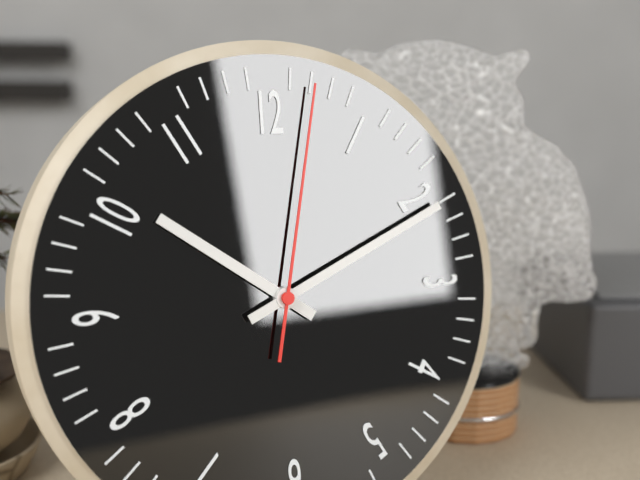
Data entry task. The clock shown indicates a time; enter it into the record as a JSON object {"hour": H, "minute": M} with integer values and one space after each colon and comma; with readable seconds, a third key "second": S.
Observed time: {"hour": 10, "minute": 11, "second": 2}
